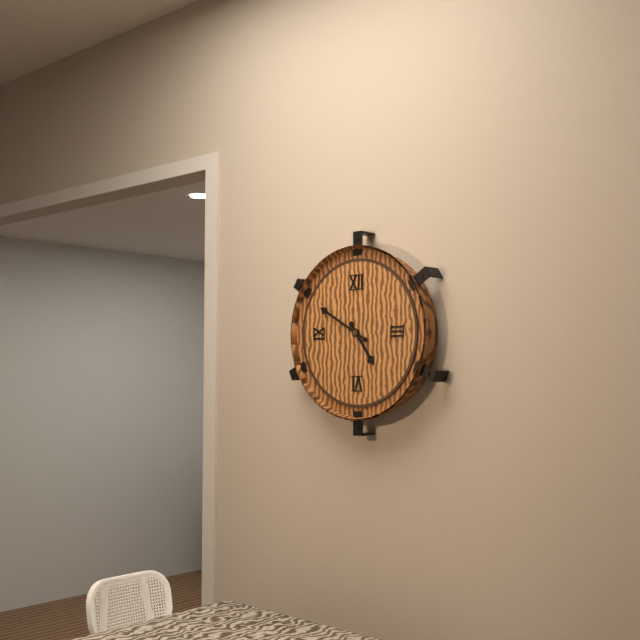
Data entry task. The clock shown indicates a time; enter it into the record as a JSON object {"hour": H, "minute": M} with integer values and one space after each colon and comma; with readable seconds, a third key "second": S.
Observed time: {"hour": 4, "minute": 50}
